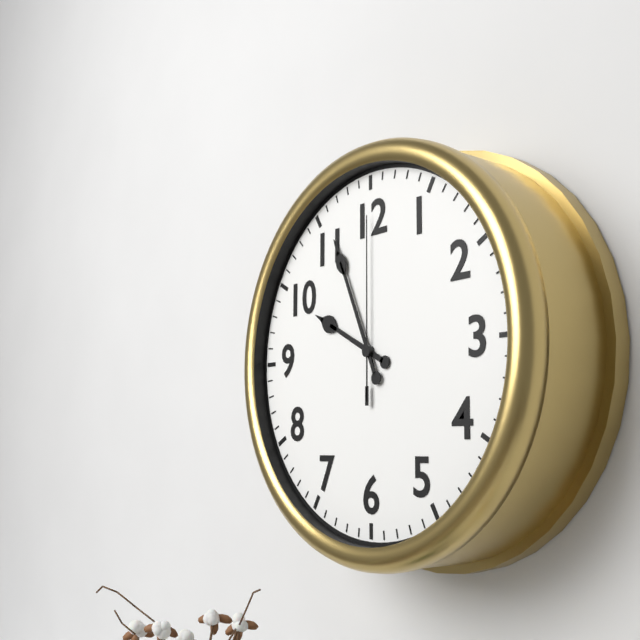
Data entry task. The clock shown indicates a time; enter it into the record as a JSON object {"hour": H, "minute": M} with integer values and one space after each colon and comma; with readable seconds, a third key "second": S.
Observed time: {"hour": 9, "minute": 56, "second": 0}
